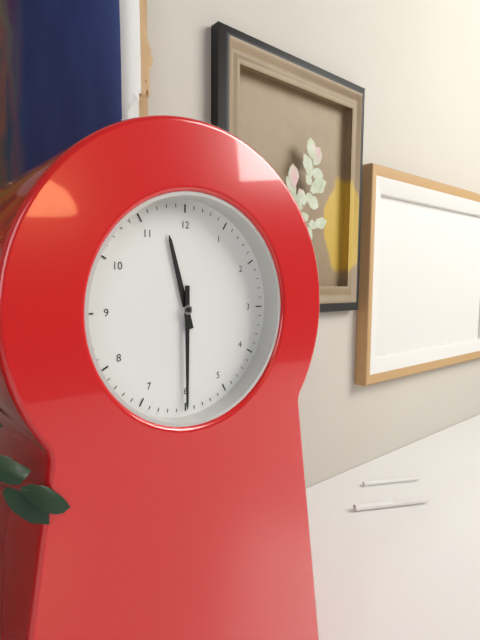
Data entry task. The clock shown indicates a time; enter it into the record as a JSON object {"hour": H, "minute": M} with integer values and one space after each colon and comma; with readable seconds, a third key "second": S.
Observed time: {"hour": 11, "minute": 30}
